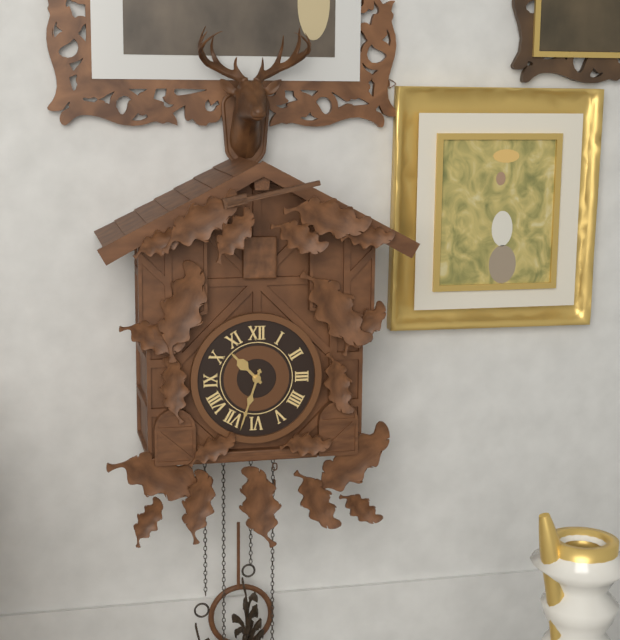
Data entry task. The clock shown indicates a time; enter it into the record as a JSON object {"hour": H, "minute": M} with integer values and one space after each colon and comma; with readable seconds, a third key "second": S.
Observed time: {"hour": 10, "minute": 33}
